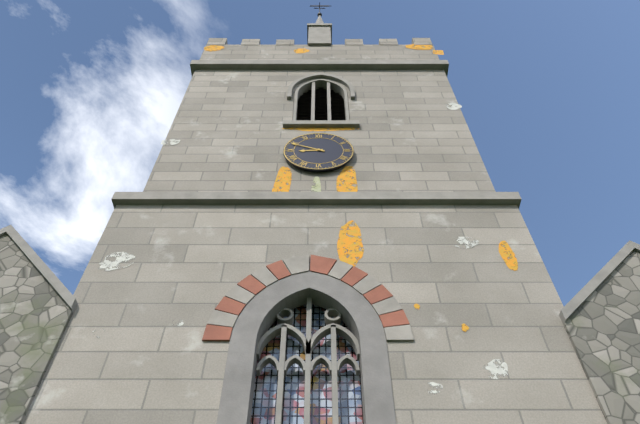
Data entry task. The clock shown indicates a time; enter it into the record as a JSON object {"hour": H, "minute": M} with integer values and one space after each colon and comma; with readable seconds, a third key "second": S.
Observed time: {"hour": 8, "minute": 49}
